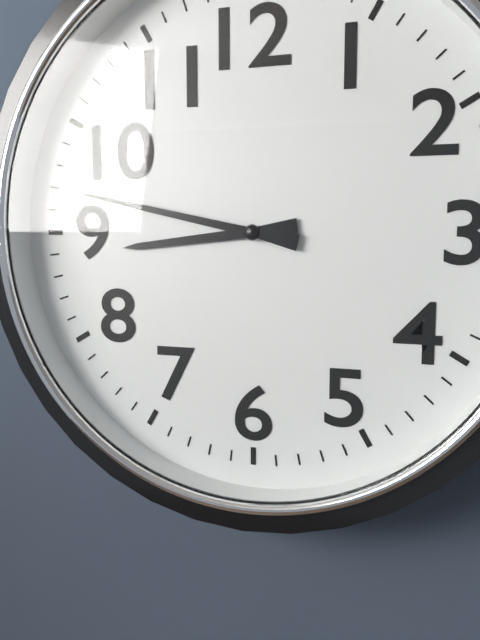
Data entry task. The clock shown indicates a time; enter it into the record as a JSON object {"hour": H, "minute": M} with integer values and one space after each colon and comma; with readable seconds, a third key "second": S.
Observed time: {"hour": 8, "minute": 47}
